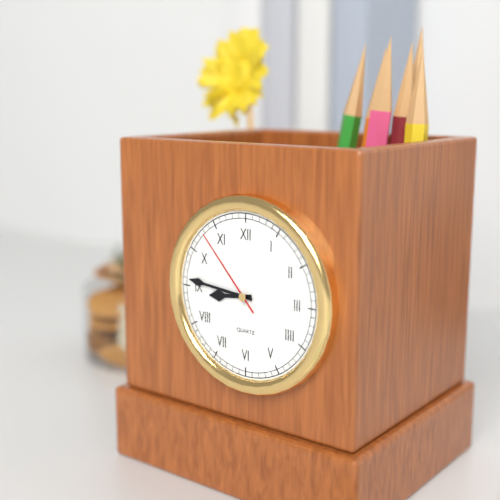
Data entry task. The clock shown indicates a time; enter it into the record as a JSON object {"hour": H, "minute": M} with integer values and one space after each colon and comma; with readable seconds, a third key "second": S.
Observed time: {"hour": 8, "minute": 46, "second": 53}
